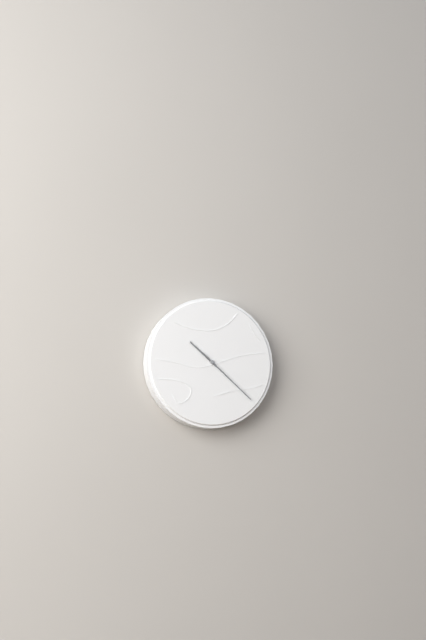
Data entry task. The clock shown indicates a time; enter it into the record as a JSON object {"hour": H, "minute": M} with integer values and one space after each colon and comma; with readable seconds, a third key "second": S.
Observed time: {"hour": 10, "minute": 22}
